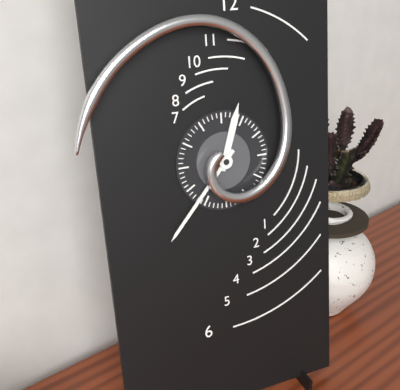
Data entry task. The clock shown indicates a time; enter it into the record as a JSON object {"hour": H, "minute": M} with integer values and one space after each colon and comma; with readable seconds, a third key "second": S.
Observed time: {"hour": 12, "minute": 37}
